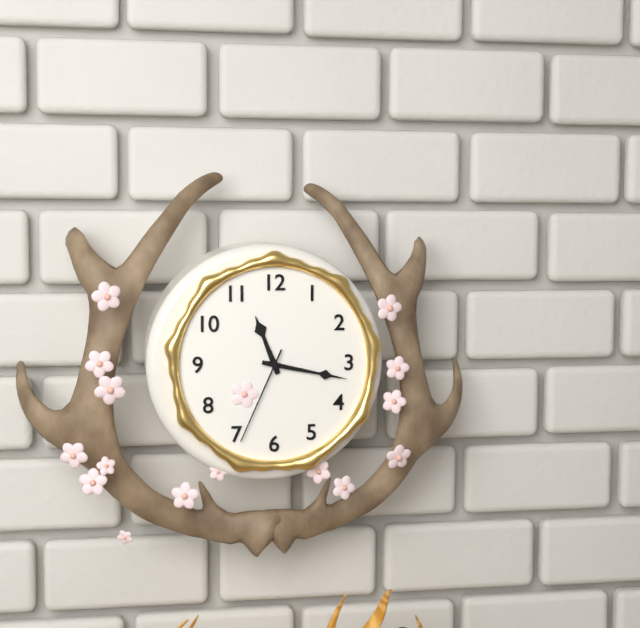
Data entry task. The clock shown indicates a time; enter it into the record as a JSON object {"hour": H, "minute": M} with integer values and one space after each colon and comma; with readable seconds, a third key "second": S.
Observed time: {"hour": 11, "minute": 17, "second": 34}
